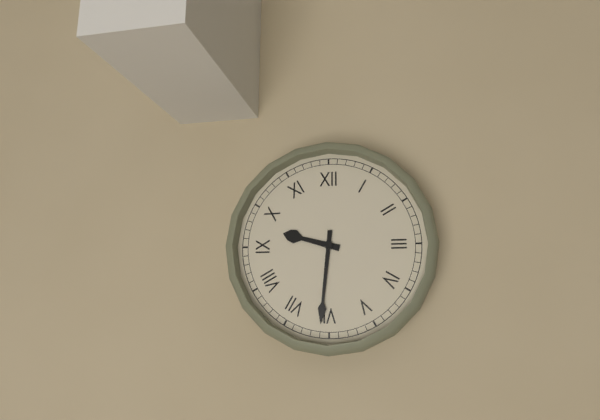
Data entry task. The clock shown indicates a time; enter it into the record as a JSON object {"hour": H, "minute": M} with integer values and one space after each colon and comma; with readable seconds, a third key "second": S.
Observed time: {"hour": 9, "minute": 31}
